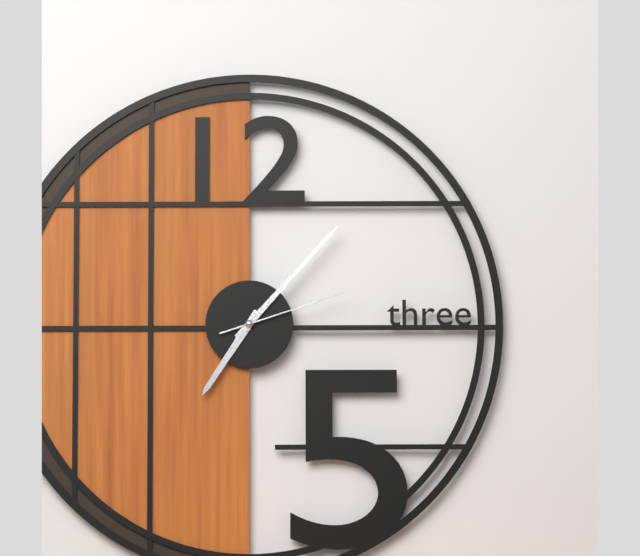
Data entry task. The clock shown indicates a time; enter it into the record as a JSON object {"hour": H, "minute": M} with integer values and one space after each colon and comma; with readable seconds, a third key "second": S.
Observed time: {"hour": 7, "minute": 7, "second": 12}
